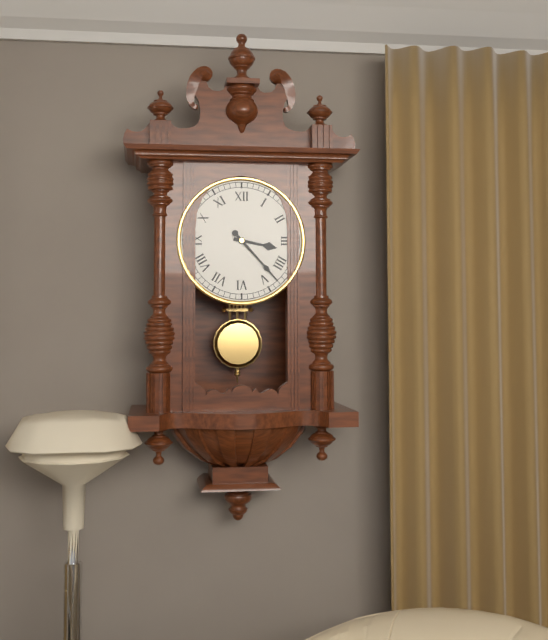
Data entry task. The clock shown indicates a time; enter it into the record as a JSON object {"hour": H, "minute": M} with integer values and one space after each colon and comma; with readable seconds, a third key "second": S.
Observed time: {"hour": 3, "minute": 23}
